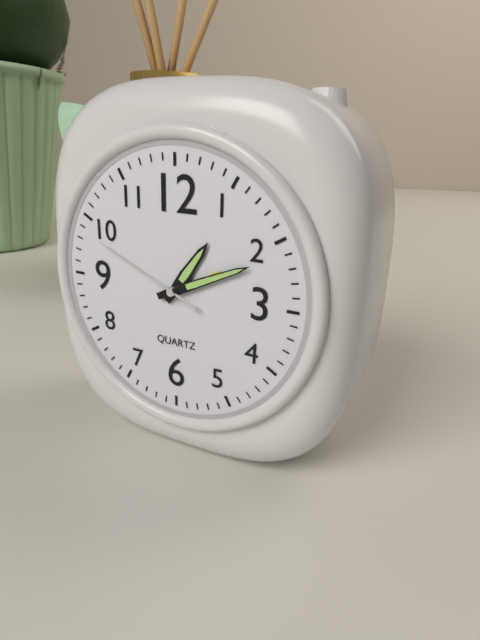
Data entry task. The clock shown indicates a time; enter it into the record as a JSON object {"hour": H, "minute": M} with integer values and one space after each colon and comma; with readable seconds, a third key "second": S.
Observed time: {"hour": 1, "minute": 11, "second": 49}
